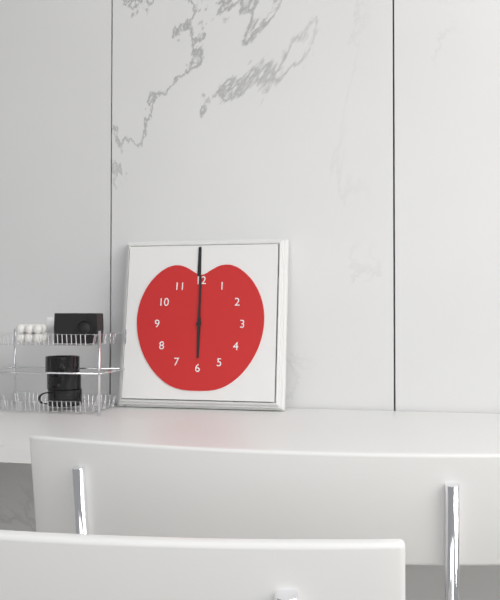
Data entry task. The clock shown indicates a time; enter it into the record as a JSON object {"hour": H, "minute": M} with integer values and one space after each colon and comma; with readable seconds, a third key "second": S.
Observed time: {"hour": 6, "minute": 0}
